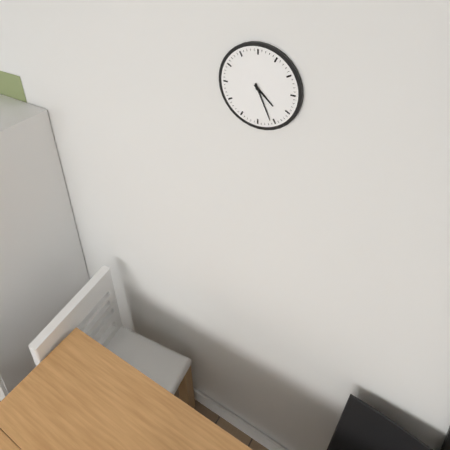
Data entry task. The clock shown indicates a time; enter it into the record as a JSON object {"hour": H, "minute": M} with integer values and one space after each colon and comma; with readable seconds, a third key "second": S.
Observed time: {"hour": 4, "minute": 26}
